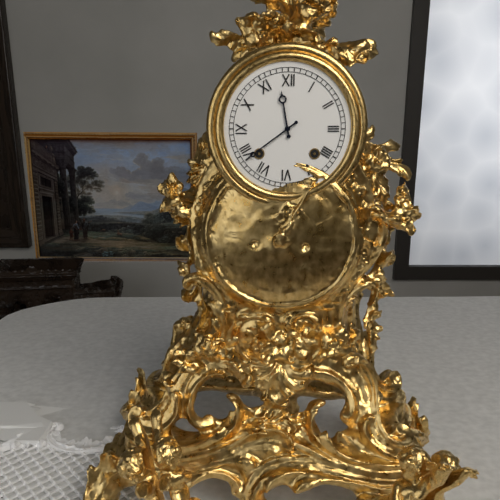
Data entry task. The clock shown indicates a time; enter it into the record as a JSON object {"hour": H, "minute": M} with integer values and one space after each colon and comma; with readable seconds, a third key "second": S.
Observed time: {"hour": 11, "minute": 39}
